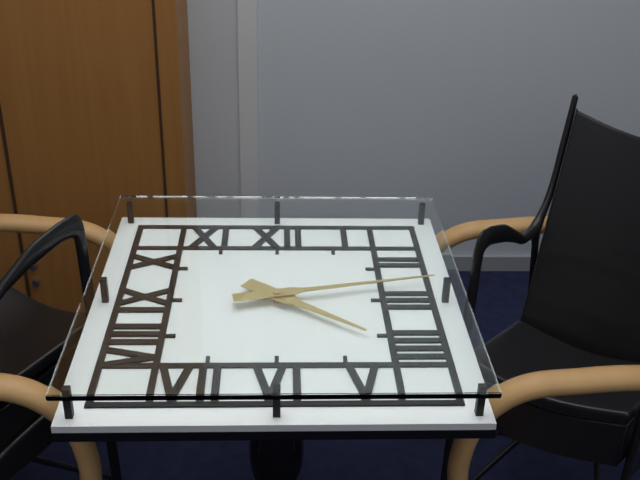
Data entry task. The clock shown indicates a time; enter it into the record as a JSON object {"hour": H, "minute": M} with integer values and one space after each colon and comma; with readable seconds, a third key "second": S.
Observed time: {"hour": 4, "minute": 13}
